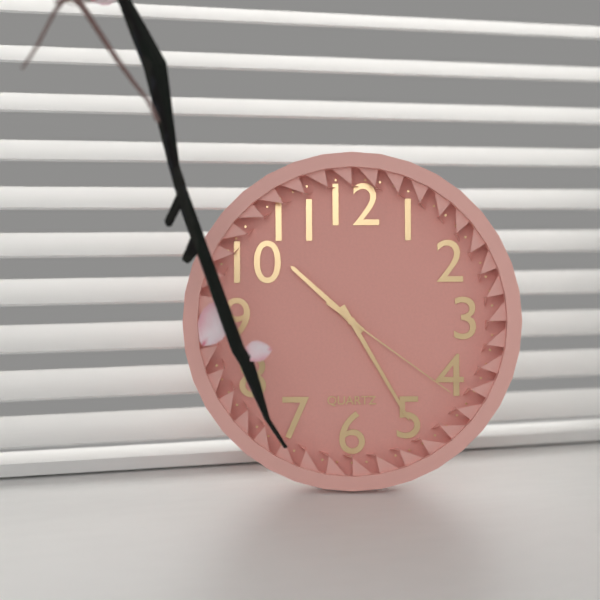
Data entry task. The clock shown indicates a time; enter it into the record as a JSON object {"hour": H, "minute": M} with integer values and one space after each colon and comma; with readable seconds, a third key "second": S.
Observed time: {"hour": 10, "minute": 25, "second": 21}
